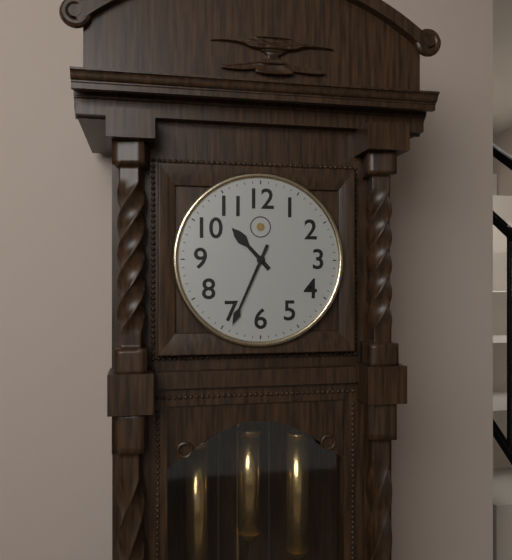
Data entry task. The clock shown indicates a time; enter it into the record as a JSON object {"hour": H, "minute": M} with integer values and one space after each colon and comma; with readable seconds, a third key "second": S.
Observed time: {"hour": 10, "minute": 34}
